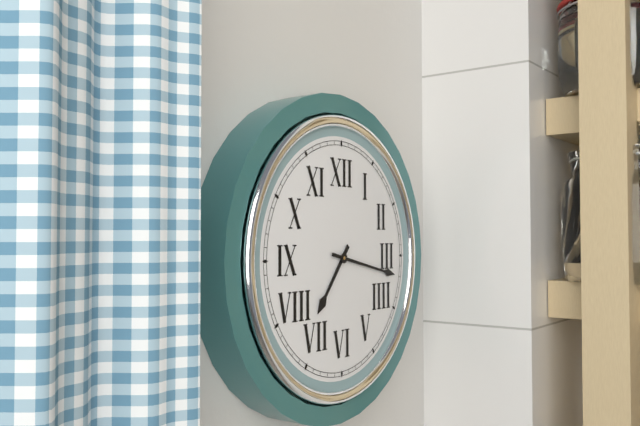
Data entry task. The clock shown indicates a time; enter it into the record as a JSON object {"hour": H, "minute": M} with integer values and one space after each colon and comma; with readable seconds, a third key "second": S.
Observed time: {"hour": 7, "minute": 17}
